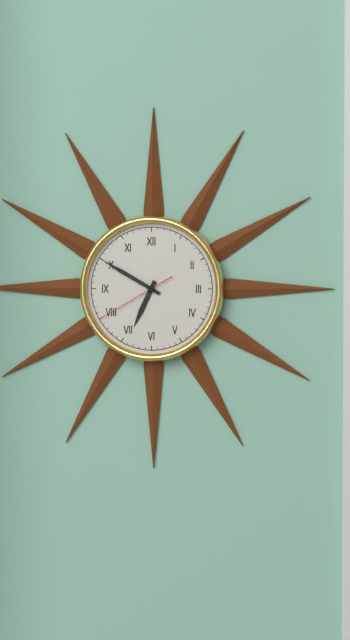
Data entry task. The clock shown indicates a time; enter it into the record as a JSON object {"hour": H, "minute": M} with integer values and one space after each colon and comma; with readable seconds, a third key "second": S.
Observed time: {"hour": 6, "minute": 50, "second": 40}
